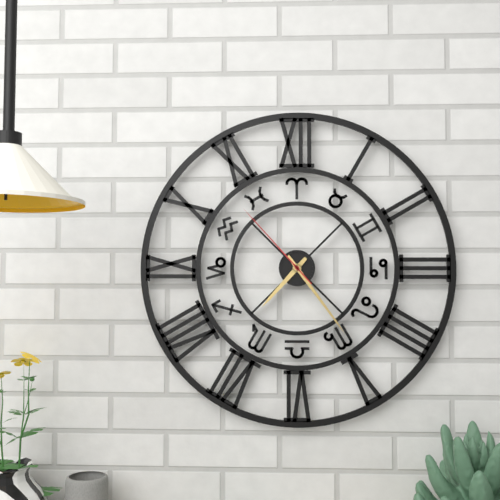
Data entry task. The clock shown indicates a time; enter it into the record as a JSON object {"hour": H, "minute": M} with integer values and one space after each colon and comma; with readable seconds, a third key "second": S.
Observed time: {"hour": 7, "minute": 24, "second": 53}
